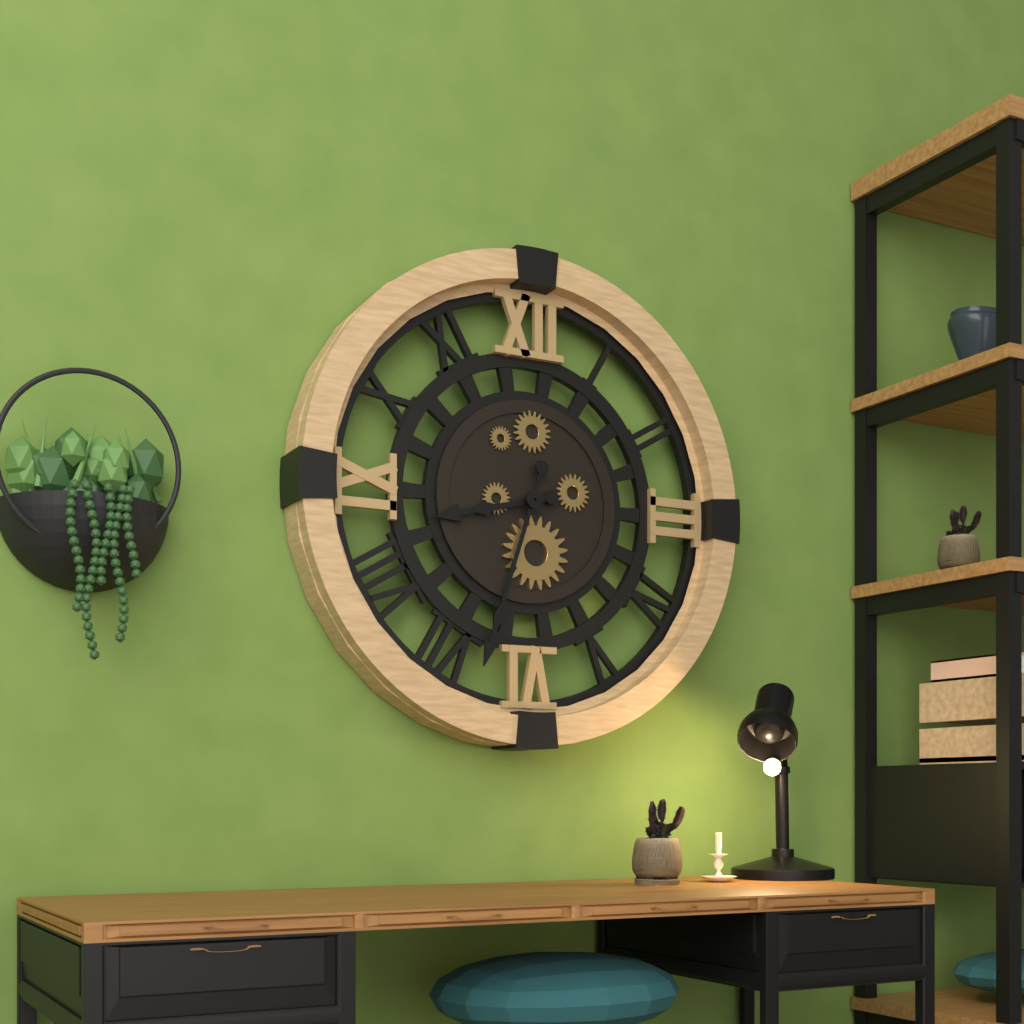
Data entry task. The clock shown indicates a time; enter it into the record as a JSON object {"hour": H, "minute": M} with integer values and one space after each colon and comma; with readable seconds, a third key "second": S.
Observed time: {"hour": 8, "minute": 33}
